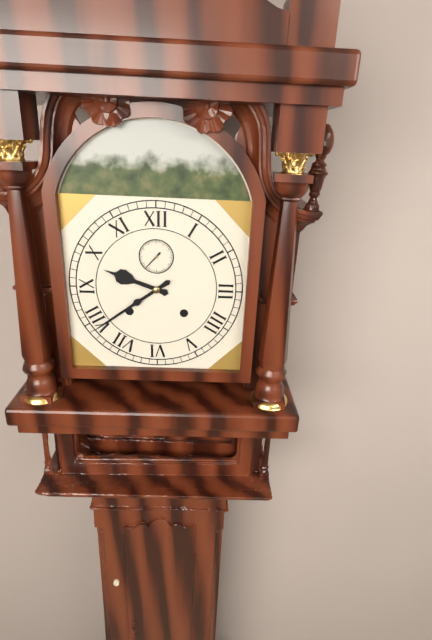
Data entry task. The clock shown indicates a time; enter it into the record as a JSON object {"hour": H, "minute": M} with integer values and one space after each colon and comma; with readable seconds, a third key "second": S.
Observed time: {"hour": 9, "minute": 39}
